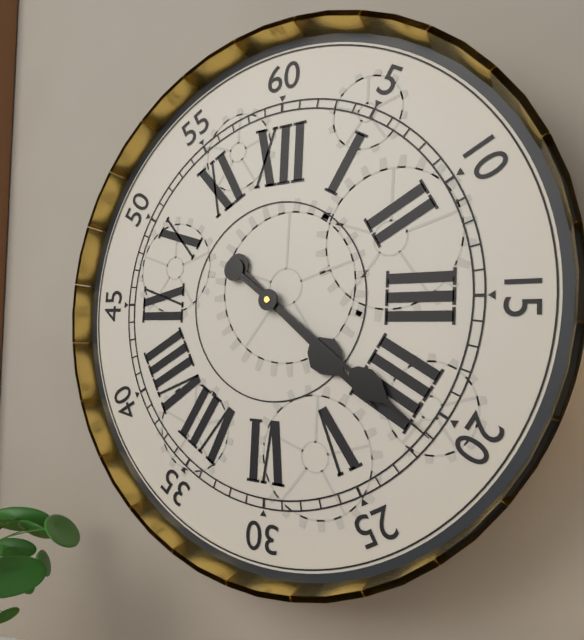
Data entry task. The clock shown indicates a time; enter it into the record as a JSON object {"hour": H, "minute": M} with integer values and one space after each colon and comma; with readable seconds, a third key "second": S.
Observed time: {"hour": 4, "minute": 21}
